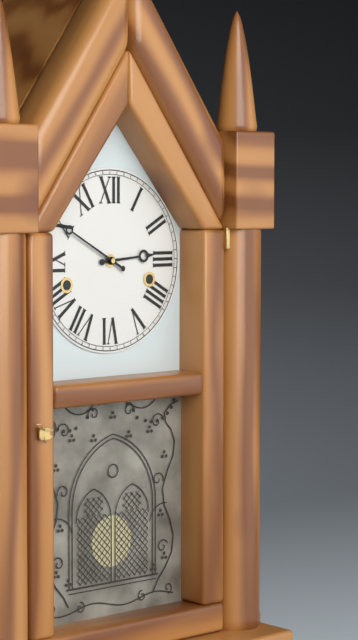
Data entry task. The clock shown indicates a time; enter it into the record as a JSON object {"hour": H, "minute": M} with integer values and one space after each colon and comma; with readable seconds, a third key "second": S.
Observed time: {"hour": 2, "minute": 50}
